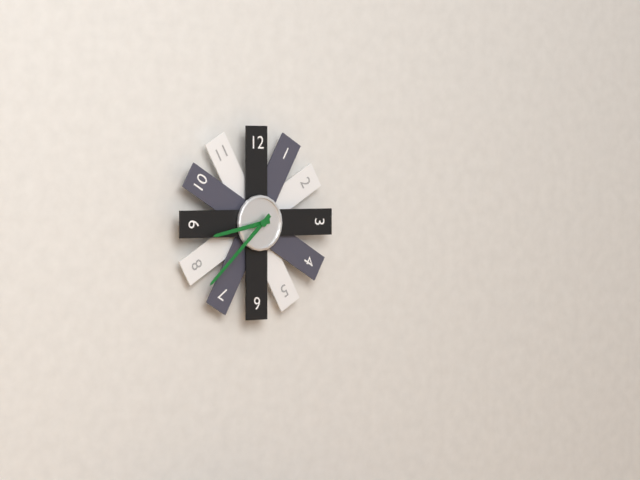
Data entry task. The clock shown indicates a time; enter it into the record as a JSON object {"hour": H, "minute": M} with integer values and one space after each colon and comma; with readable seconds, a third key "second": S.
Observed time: {"hour": 8, "minute": 38}
